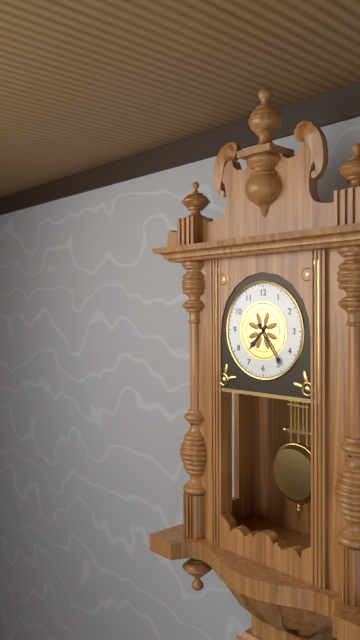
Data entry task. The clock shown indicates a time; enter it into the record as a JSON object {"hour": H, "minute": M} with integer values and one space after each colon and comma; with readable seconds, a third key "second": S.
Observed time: {"hour": 7, "minute": 24}
